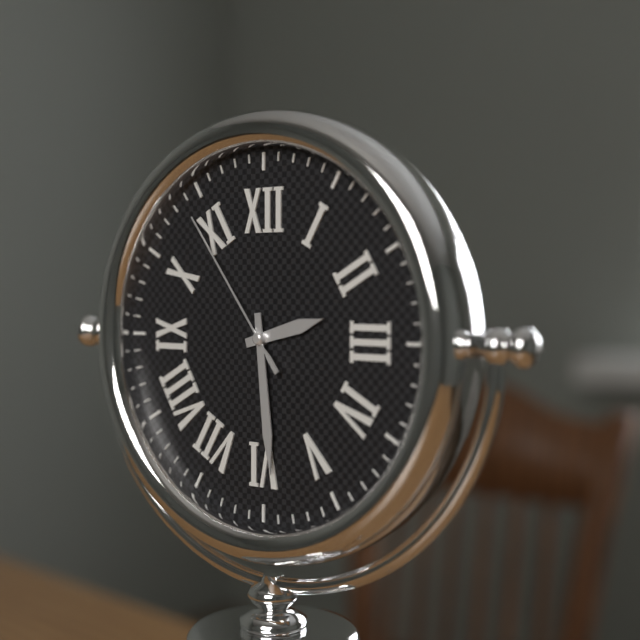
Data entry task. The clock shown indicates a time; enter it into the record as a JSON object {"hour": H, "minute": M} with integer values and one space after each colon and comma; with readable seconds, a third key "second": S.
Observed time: {"hour": 2, "minute": 29, "second": 54}
